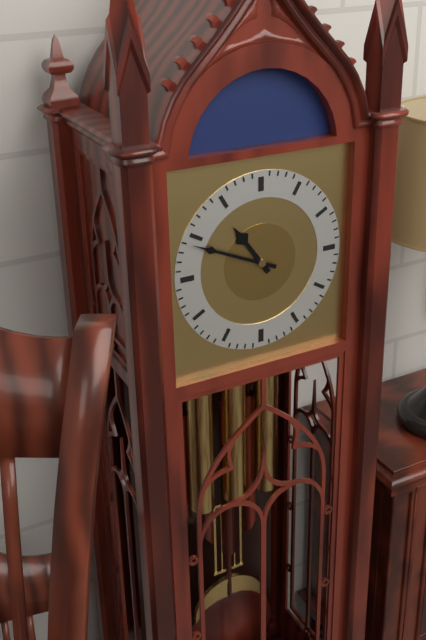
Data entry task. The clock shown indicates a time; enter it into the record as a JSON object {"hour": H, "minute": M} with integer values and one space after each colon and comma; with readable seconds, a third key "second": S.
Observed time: {"hour": 10, "minute": 49}
